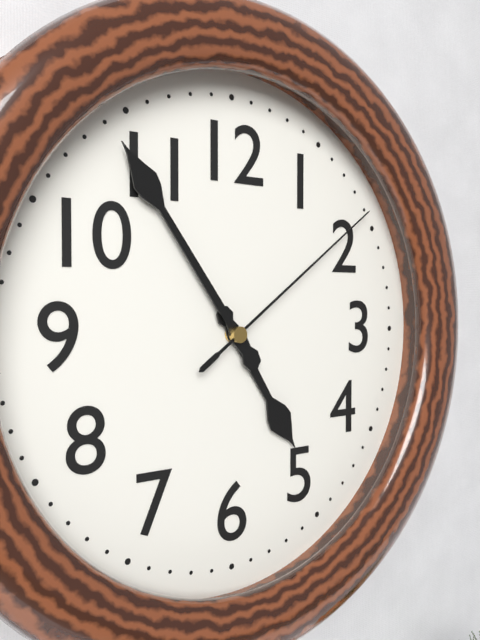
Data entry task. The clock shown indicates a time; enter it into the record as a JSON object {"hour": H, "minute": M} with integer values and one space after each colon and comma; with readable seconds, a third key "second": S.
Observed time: {"hour": 4, "minute": 54, "second": 9}
